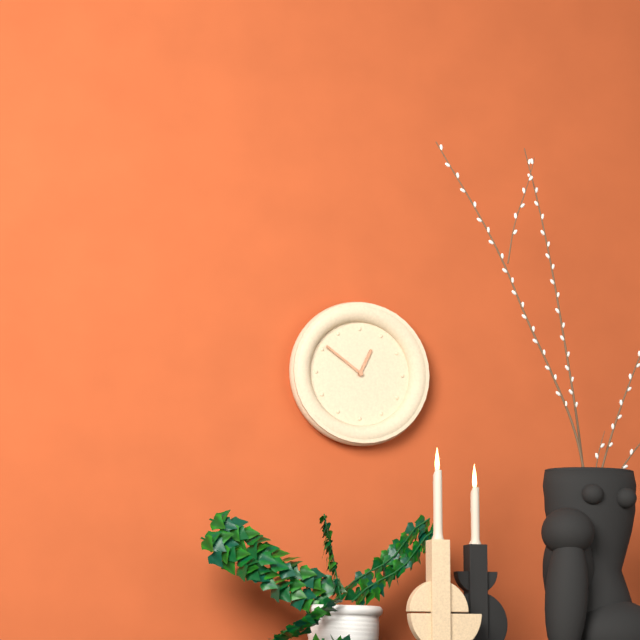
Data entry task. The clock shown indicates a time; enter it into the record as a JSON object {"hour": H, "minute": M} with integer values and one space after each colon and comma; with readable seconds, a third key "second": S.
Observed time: {"hour": 12, "minute": 51}
